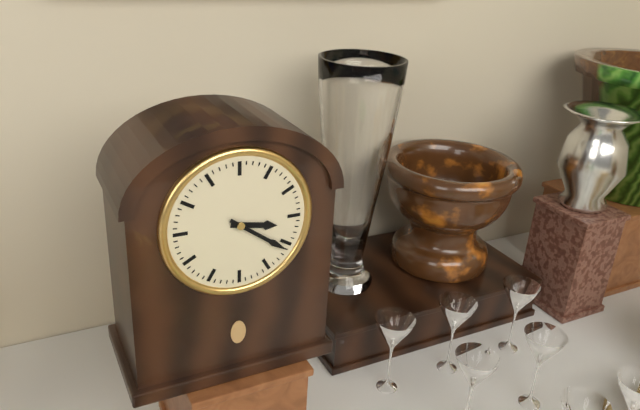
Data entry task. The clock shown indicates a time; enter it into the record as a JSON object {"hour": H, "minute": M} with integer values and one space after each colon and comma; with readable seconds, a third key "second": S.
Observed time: {"hour": 3, "minute": 21}
